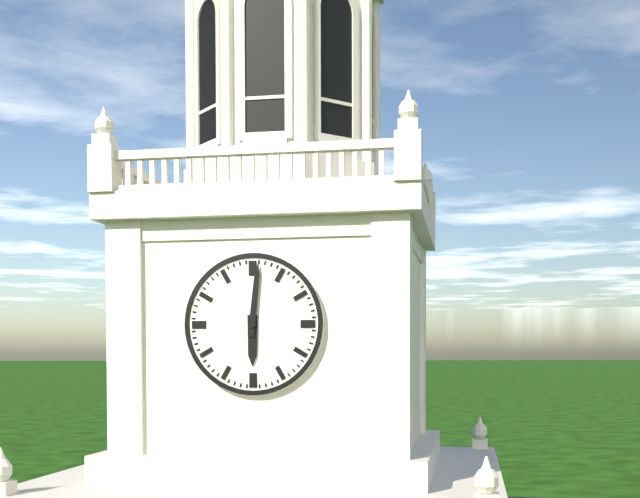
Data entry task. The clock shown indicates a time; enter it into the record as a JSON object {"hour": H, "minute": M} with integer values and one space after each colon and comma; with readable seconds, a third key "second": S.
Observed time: {"hour": 6, "minute": 1}
